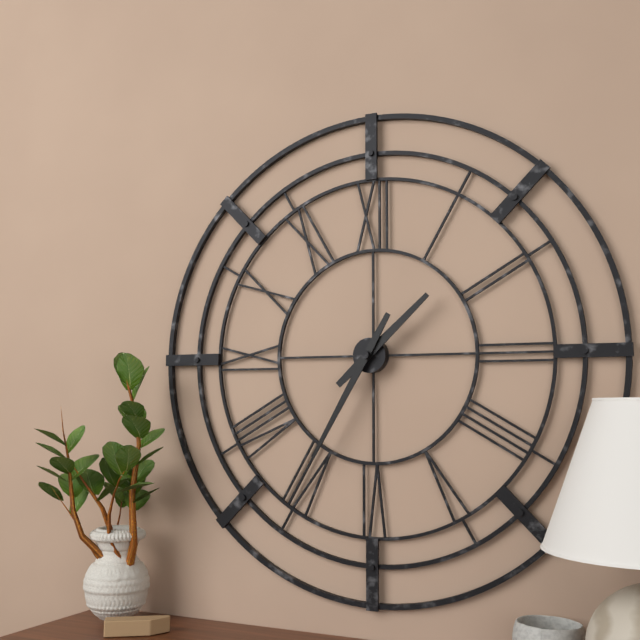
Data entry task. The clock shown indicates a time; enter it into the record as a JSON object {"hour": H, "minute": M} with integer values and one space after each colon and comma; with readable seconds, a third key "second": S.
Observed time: {"hour": 1, "minute": 35}
